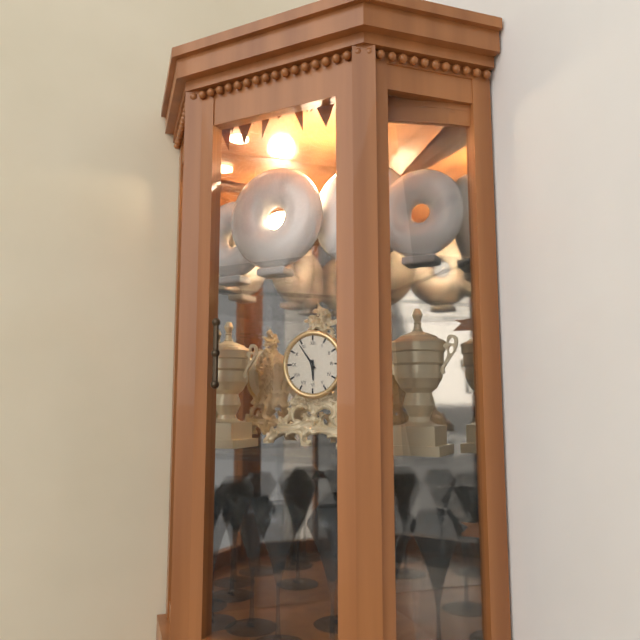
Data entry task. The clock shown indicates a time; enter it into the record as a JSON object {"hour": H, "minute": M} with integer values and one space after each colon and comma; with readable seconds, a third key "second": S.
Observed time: {"hour": 5, "minute": 54}
